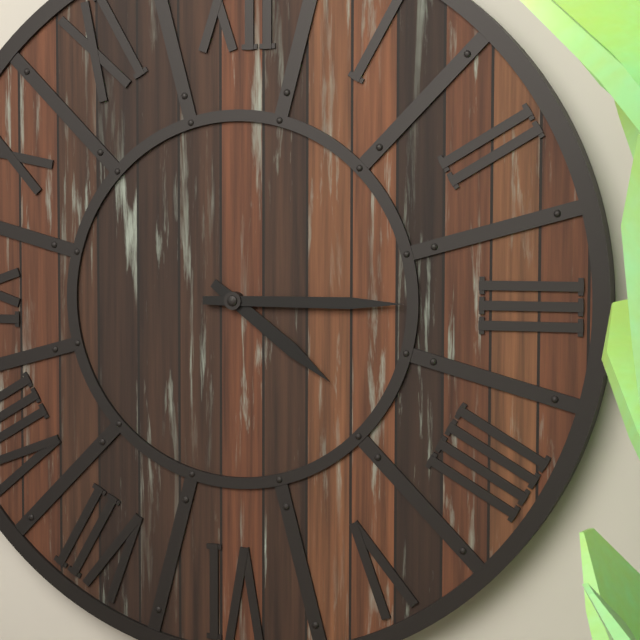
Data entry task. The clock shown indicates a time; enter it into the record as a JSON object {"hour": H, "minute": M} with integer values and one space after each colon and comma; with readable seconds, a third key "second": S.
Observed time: {"hour": 4, "minute": 15}
